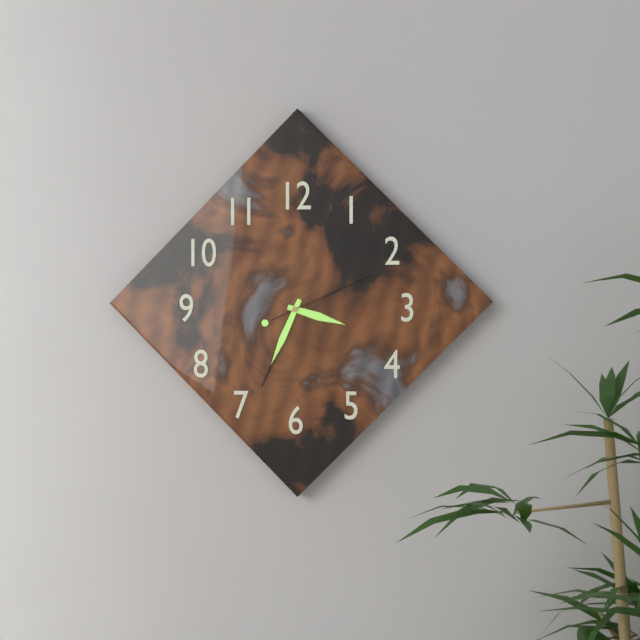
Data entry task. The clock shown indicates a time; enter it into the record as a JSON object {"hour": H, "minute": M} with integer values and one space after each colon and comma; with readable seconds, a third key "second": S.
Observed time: {"hour": 3, "minute": 34, "second": 11}
